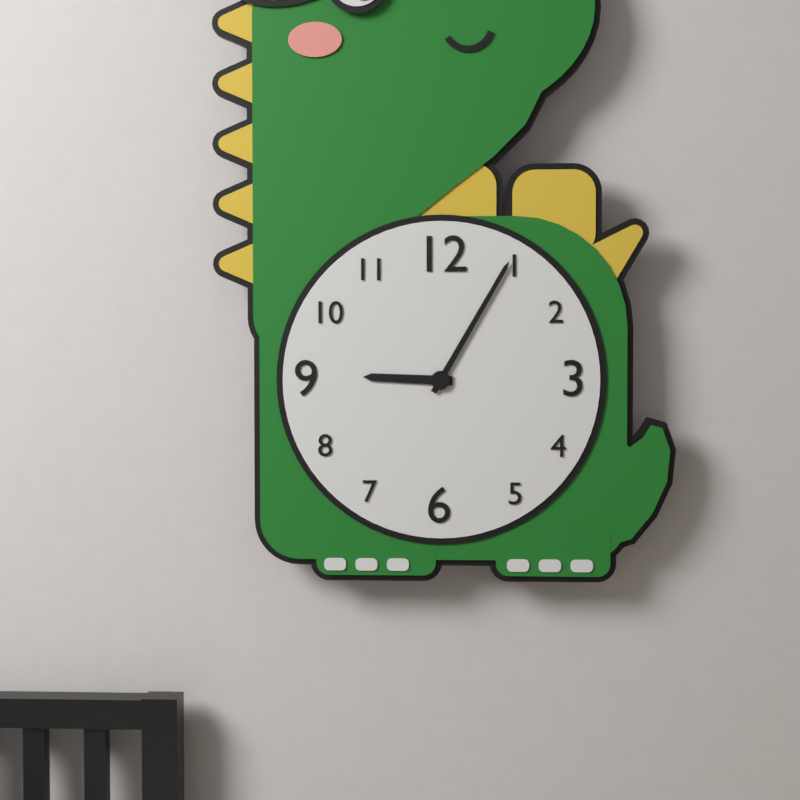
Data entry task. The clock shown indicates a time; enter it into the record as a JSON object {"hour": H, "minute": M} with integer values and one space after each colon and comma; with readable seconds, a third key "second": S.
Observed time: {"hour": 9, "minute": 5}
